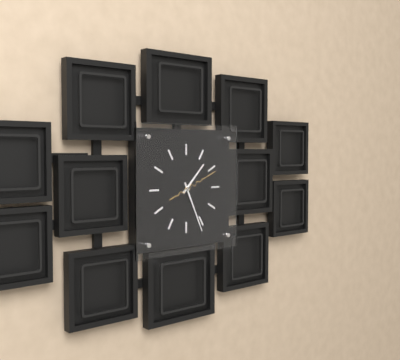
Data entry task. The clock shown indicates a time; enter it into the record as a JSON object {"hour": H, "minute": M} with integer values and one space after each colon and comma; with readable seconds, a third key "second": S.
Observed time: {"hour": 1, "minute": 26}
